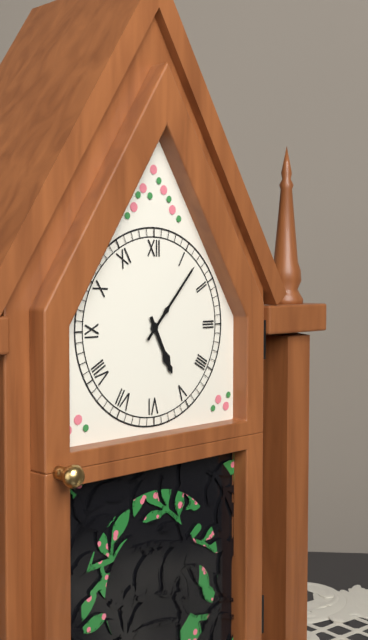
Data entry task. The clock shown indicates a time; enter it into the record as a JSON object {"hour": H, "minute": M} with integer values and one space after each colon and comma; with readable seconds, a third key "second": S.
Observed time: {"hour": 5, "minute": 7}
